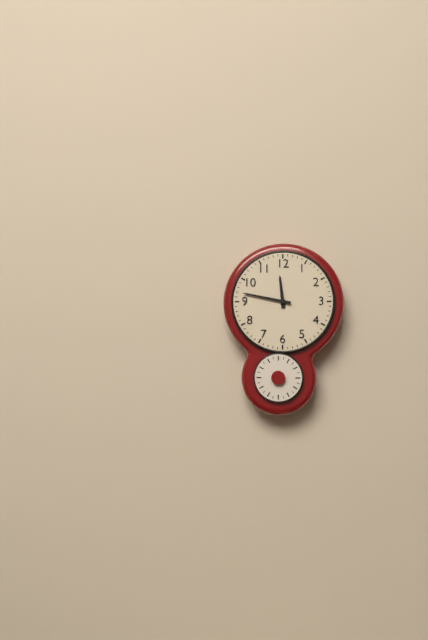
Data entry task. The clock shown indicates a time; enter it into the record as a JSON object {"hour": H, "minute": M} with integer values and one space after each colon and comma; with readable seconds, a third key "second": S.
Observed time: {"hour": 11, "minute": 47}
